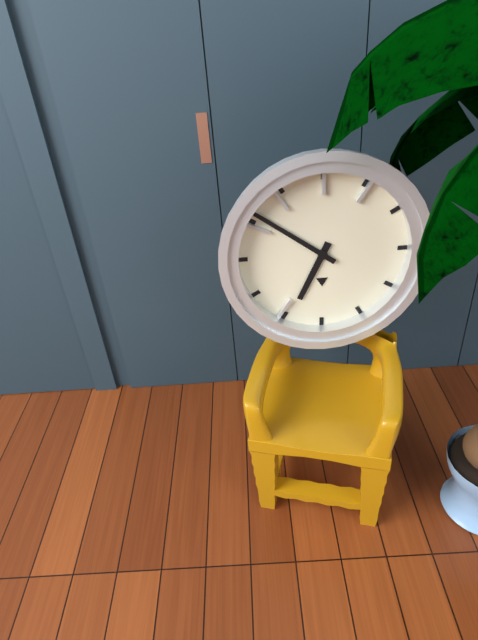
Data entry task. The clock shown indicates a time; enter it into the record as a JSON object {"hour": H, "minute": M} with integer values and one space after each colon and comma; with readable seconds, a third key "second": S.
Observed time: {"hour": 6, "minute": 51}
